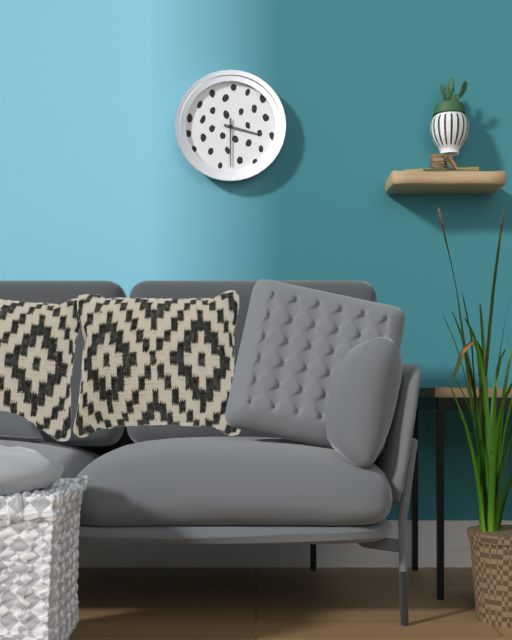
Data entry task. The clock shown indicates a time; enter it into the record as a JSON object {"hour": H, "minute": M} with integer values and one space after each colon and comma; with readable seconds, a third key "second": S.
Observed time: {"hour": 3, "minute": 30}
